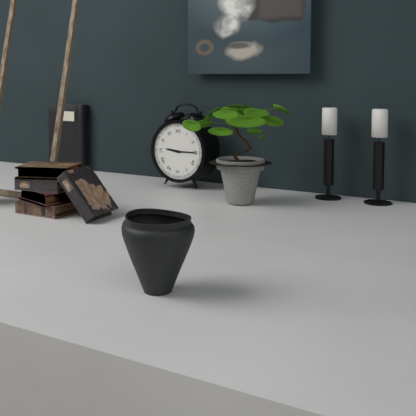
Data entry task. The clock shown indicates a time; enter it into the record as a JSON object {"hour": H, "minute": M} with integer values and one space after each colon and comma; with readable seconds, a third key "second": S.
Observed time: {"hour": 9, "minute": 15}
